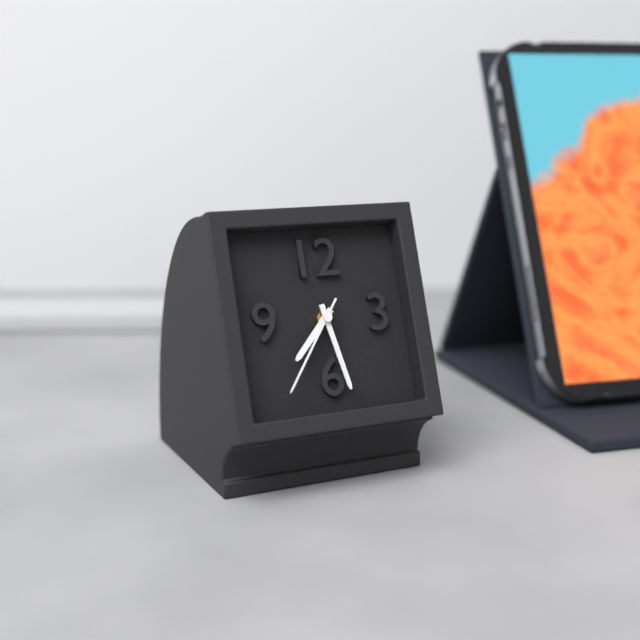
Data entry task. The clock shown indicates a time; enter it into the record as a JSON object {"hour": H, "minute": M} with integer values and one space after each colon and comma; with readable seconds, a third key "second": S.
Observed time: {"hour": 7, "minute": 28, "second": 36}
